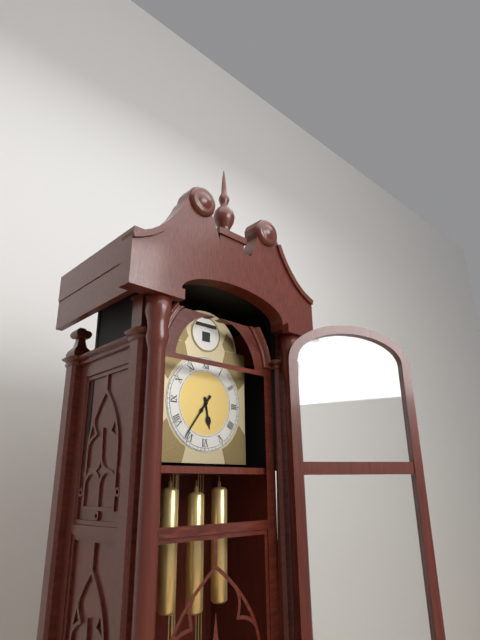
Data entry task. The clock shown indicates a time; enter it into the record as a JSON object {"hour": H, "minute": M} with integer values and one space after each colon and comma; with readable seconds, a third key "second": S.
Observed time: {"hour": 5, "minute": 36}
